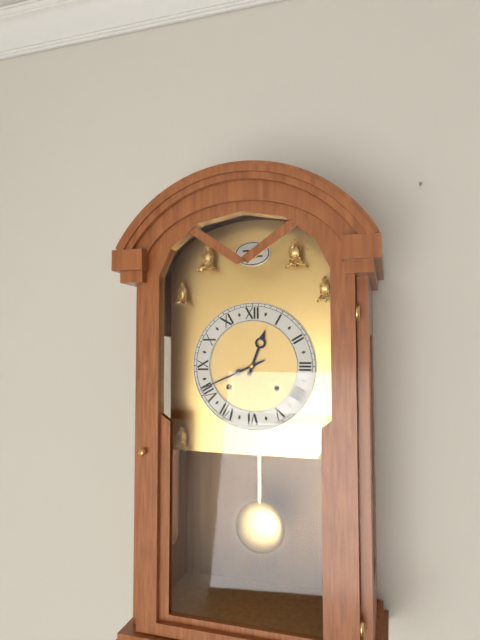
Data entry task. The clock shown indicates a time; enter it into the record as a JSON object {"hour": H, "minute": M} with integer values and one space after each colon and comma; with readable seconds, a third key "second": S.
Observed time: {"hour": 12, "minute": 41}
